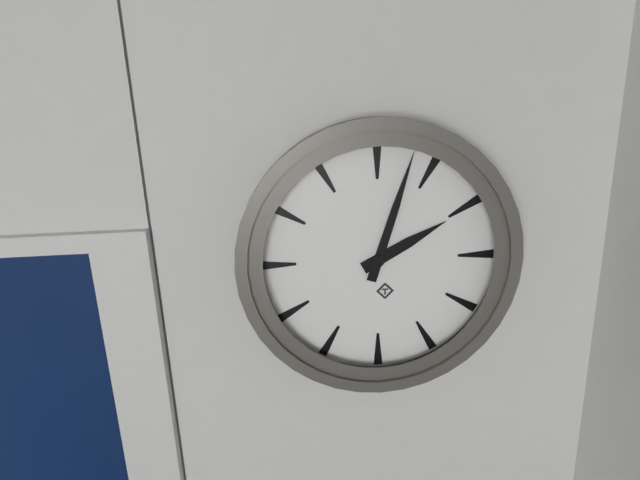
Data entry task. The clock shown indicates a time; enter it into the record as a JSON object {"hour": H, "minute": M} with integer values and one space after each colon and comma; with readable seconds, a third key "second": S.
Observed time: {"hour": 2, "minute": 3}
